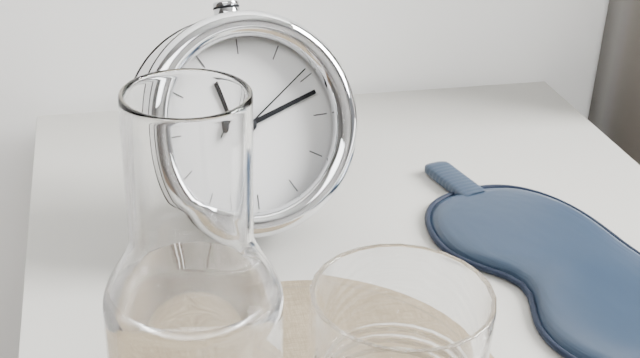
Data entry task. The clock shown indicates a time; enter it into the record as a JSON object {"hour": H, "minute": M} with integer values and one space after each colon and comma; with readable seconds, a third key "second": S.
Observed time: {"hour": 11, "minute": 12, "second": 9}
